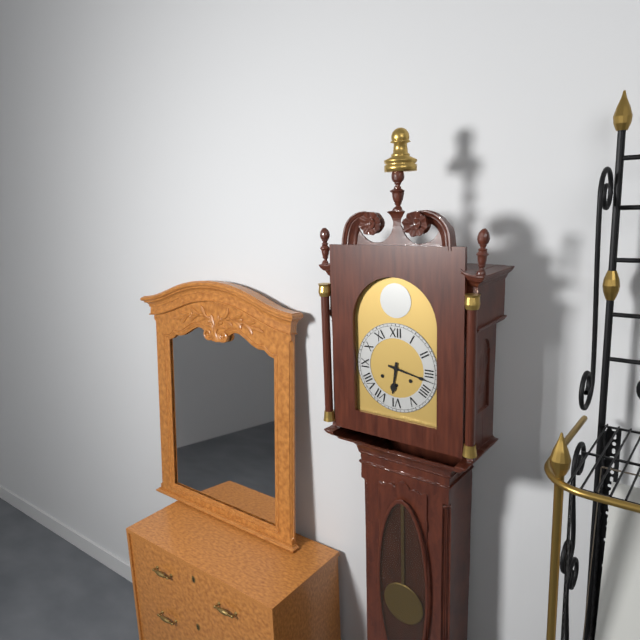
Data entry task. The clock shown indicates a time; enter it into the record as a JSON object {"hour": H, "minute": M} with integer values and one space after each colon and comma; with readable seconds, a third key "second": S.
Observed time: {"hour": 6, "minute": 17}
